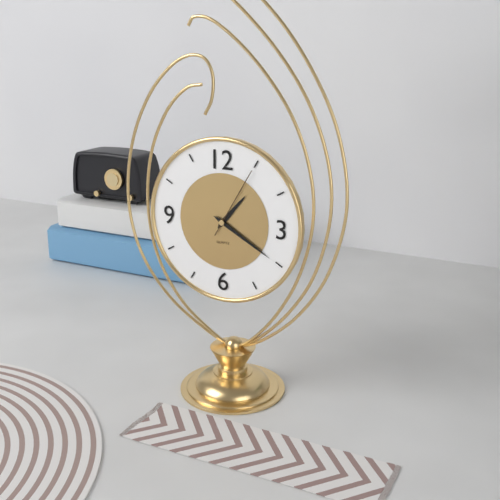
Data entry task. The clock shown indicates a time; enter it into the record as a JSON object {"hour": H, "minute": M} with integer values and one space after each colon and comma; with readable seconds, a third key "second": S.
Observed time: {"hour": 1, "minute": 20, "second": 5}
